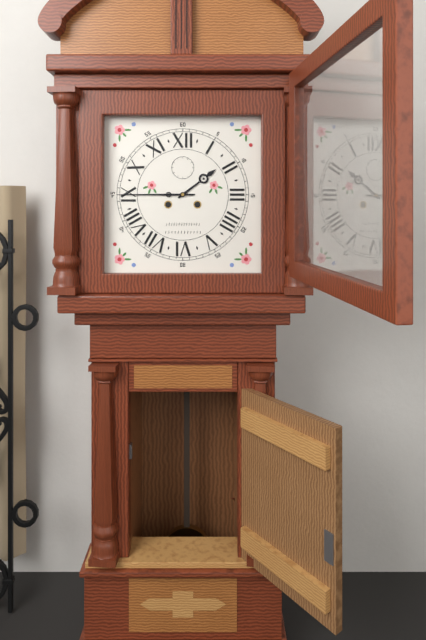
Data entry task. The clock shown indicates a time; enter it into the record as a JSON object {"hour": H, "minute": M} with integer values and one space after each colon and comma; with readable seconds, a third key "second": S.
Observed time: {"hour": 1, "minute": 45}
